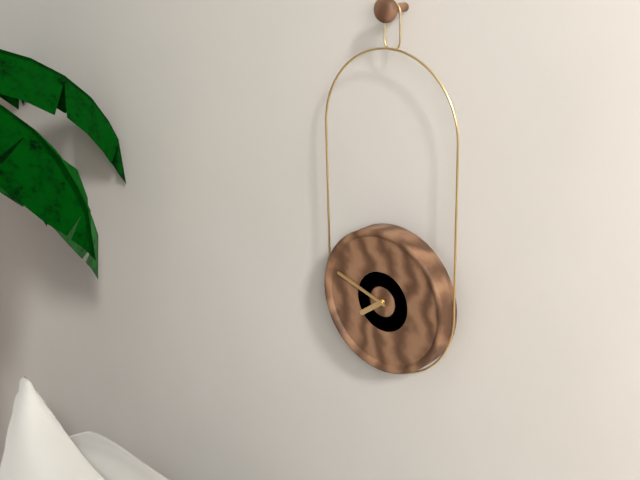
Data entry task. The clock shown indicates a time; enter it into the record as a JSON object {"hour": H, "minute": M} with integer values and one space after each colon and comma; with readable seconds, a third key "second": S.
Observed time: {"hour": 7, "minute": 48}
